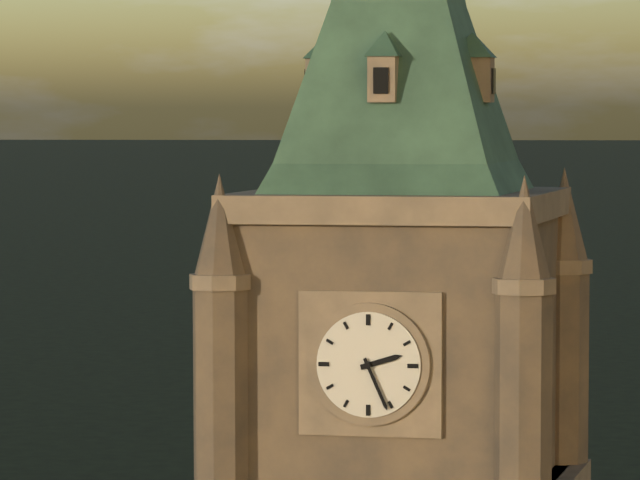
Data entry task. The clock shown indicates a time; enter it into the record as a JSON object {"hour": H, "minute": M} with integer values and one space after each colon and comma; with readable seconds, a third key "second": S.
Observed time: {"hour": 2, "minute": 26}
